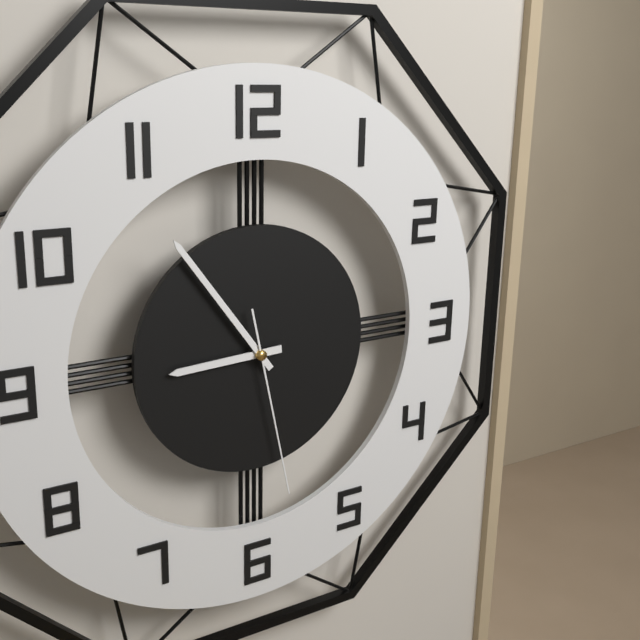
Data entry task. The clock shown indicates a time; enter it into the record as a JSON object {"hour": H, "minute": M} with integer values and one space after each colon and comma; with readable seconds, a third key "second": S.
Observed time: {"hour": 8, "minute": 54, "second": 28}
